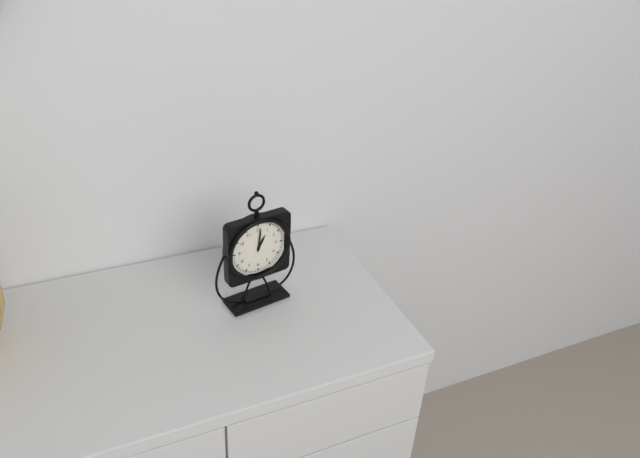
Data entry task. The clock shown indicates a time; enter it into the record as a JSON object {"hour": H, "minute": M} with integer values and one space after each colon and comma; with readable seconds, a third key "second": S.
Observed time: {"hour": 1, "minute": 1}
